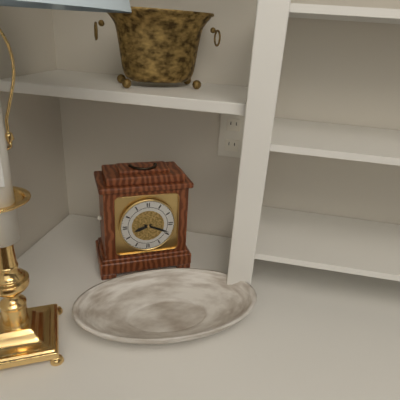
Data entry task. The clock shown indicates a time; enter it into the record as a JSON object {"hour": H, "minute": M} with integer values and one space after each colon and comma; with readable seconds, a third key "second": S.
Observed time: {"hour": 8, "minute": 19}
